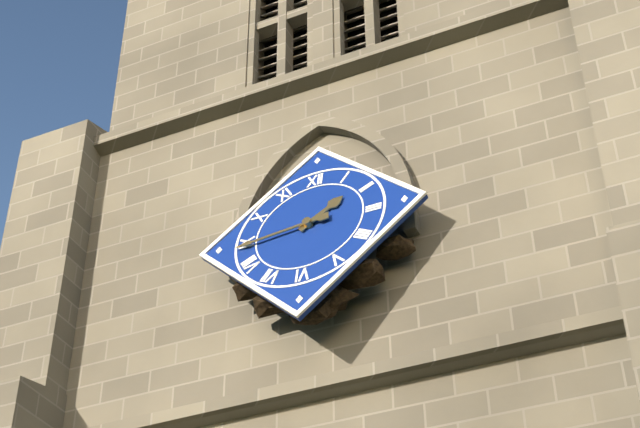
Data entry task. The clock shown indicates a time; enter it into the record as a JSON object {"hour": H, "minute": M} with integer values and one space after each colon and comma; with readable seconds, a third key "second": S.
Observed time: {"hour": 1, "minute": 44}
